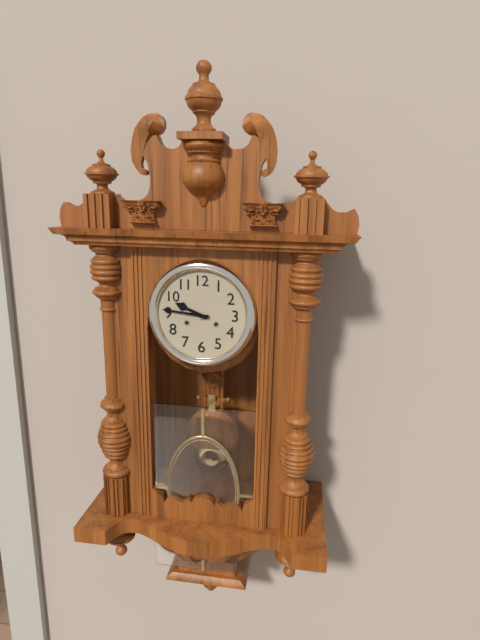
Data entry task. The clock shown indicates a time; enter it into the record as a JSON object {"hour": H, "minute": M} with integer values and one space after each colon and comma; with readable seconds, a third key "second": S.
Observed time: {"hour": 9, "minute": 46}
